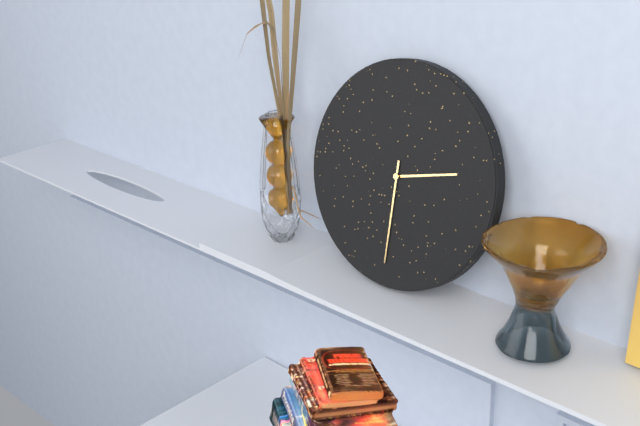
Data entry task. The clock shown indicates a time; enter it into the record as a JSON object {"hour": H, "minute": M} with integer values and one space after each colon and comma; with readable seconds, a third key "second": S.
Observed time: {"hour": 2, "minute": 30}
